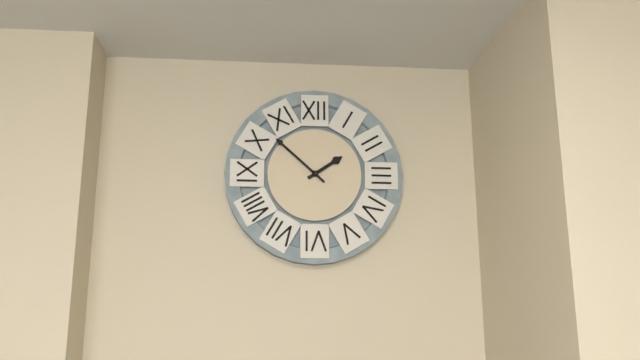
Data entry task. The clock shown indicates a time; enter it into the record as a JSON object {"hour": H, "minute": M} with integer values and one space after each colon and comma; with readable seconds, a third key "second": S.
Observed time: {"hour": 1, "minute": 52}
